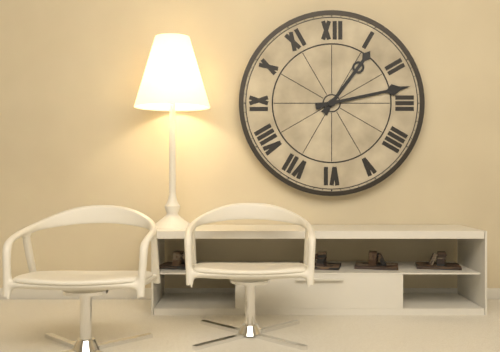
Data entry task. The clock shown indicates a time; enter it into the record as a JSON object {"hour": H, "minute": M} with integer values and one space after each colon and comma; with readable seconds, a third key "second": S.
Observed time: {"hour": 1, "minute": 13}
